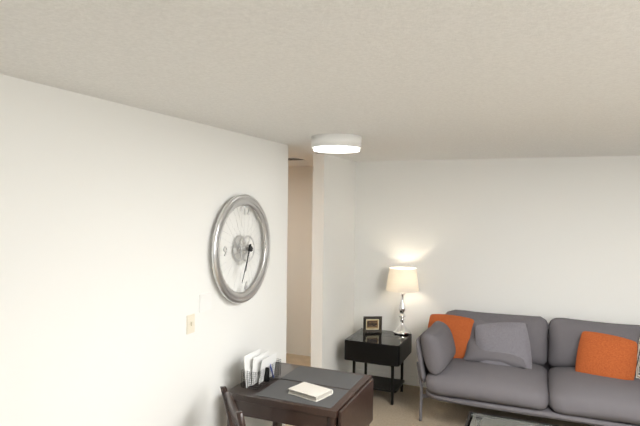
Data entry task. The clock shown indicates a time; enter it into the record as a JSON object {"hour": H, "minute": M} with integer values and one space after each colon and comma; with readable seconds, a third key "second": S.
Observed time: {"hour": 6, "minute": 34}
